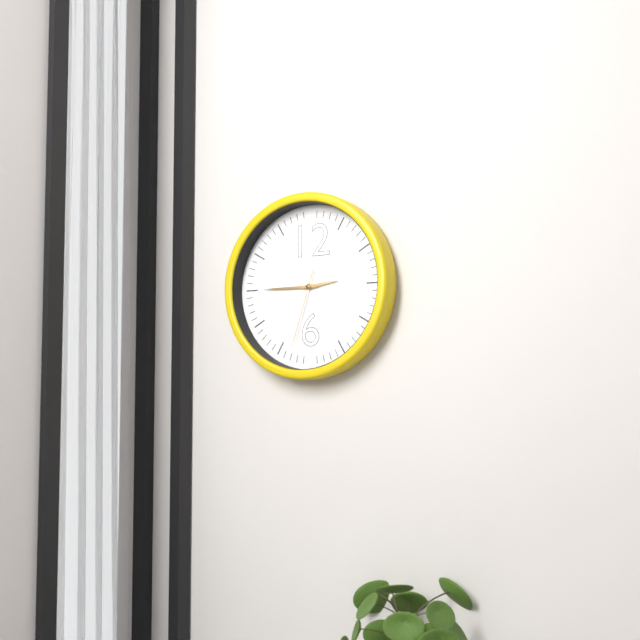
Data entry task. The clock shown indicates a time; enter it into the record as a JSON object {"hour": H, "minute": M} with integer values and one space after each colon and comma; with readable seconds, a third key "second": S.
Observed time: {"hour": 2, "minute": 45, "second": 33}
